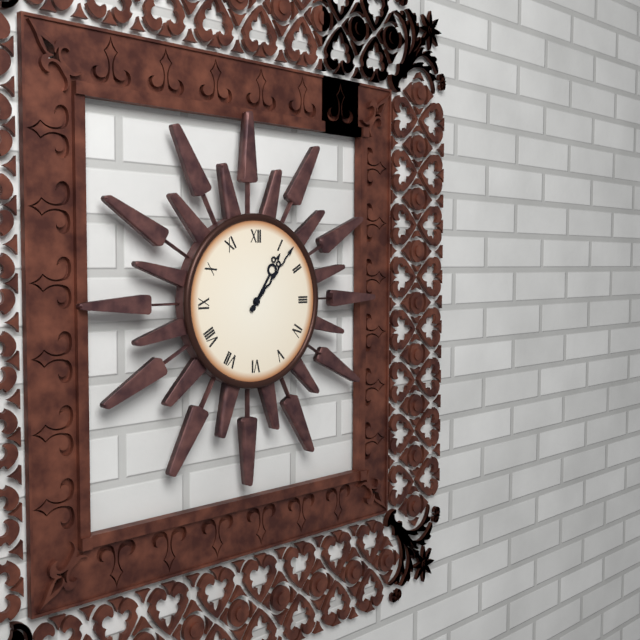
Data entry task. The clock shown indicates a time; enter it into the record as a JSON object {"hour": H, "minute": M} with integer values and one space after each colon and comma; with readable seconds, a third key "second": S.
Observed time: {"hour": 1, "minute": 7}
